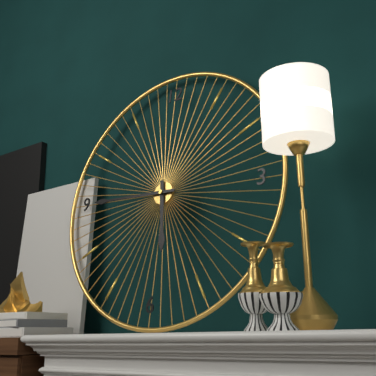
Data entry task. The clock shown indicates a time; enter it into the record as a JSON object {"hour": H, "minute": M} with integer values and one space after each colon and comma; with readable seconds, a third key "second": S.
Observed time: {"hour": 5, "minute": 45}
